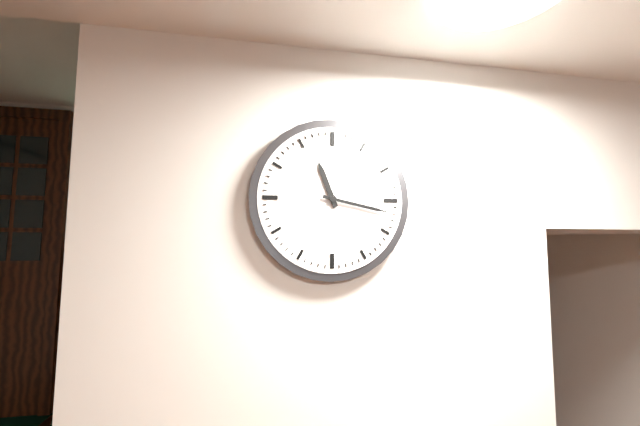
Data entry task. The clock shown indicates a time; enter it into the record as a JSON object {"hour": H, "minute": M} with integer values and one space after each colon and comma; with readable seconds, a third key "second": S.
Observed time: {"hour": 11, "minute": 17}
